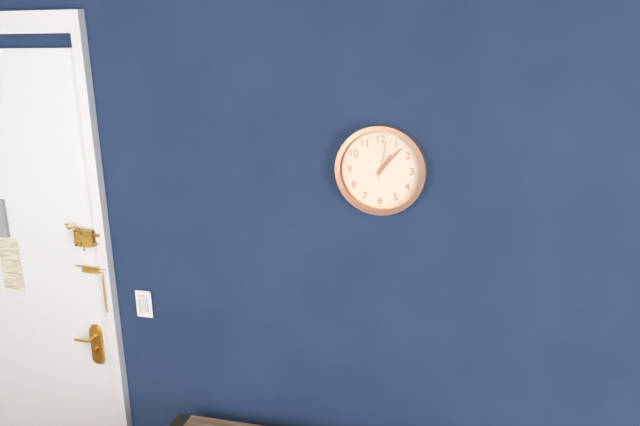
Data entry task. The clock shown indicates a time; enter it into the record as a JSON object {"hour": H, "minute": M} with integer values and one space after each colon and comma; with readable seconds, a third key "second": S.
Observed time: {"hour": 1, "minute": 7}
